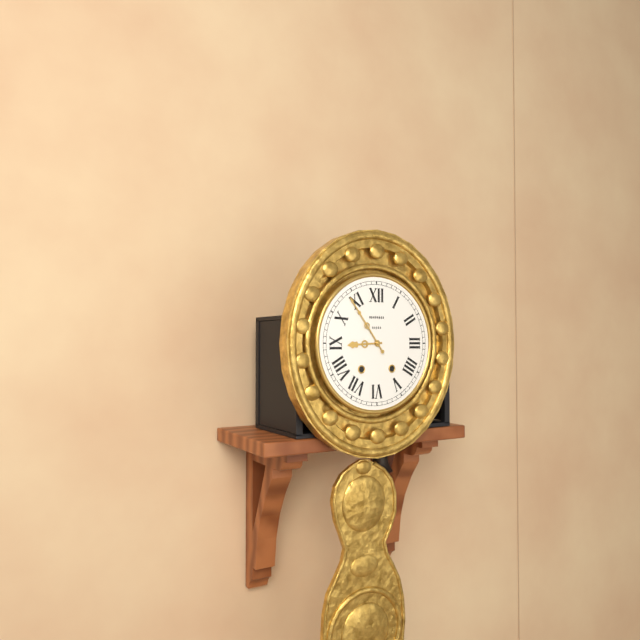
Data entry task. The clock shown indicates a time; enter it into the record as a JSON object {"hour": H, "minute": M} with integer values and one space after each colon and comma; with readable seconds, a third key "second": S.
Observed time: {"hour": 8, "minute": 54}
